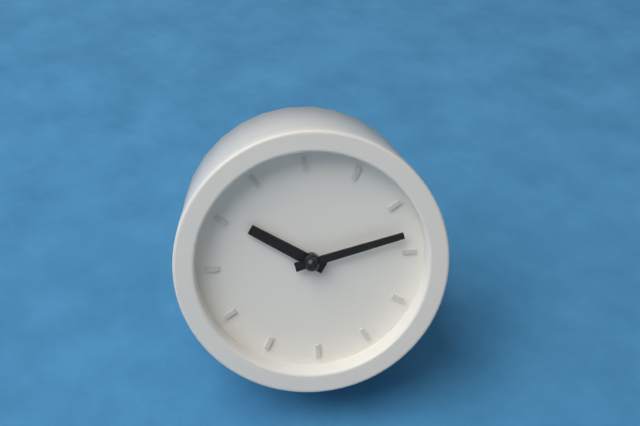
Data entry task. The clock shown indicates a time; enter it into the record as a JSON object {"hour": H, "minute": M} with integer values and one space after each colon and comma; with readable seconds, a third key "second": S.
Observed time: {"hour": 9, "minute": 8}
